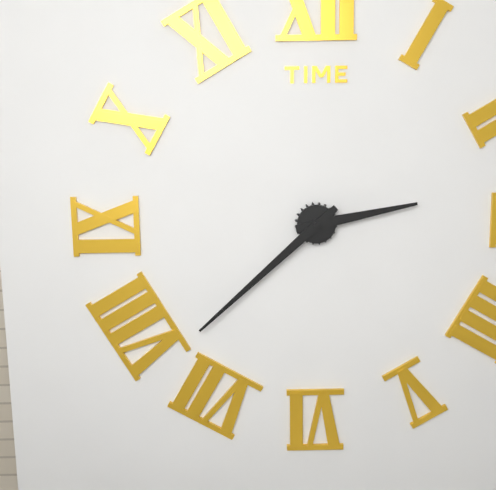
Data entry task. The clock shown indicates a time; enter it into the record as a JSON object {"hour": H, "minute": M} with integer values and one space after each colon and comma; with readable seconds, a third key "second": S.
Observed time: {"hour": 2, "minute": 38}
